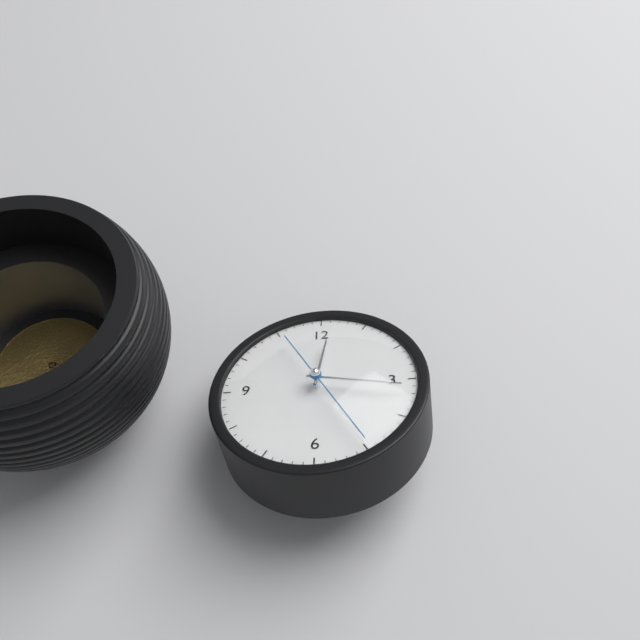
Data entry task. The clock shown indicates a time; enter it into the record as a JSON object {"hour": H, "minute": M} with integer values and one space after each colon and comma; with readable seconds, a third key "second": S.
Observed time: {"hour": 12, "minute": 17, "second": 25}
